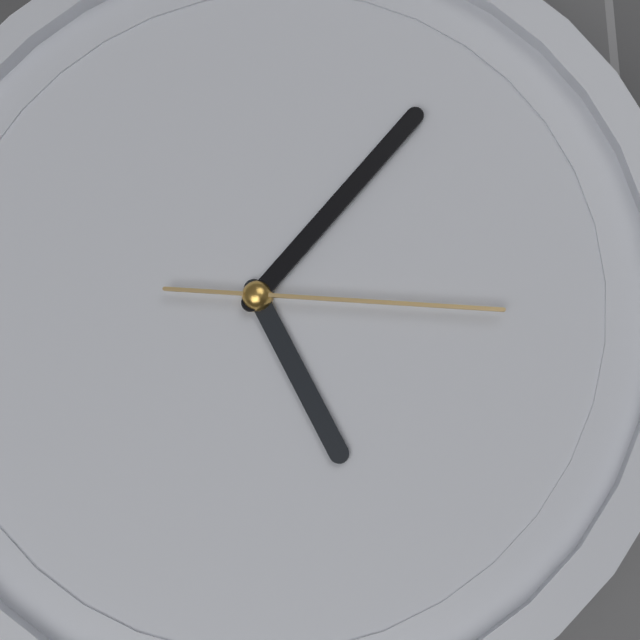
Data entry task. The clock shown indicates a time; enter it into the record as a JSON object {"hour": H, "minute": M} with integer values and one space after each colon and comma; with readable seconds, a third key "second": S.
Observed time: {"hour": 5, "minute": 7, "second": 16}
